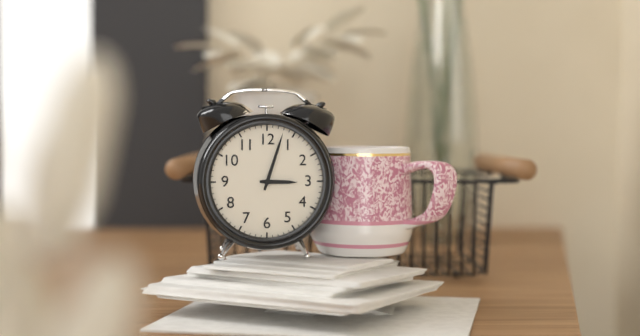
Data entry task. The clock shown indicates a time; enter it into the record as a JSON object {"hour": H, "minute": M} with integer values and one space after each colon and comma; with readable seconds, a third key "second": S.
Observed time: {"hour": 3, "minute": 3}
